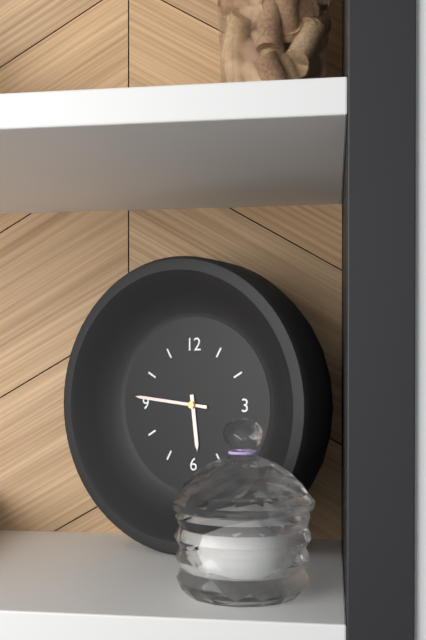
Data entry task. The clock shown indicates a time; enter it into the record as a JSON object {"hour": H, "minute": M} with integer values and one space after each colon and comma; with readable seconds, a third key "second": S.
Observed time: {"hour": 5, "minute": 46}
